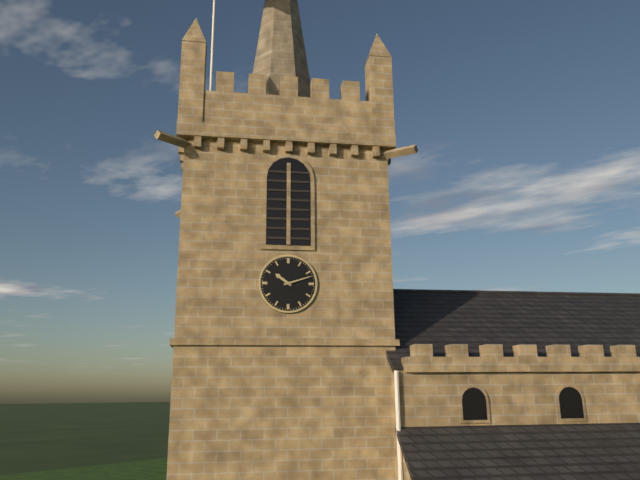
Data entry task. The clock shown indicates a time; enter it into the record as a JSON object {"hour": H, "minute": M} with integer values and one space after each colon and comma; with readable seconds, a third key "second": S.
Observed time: {"hour": 10, "minute": 12}
